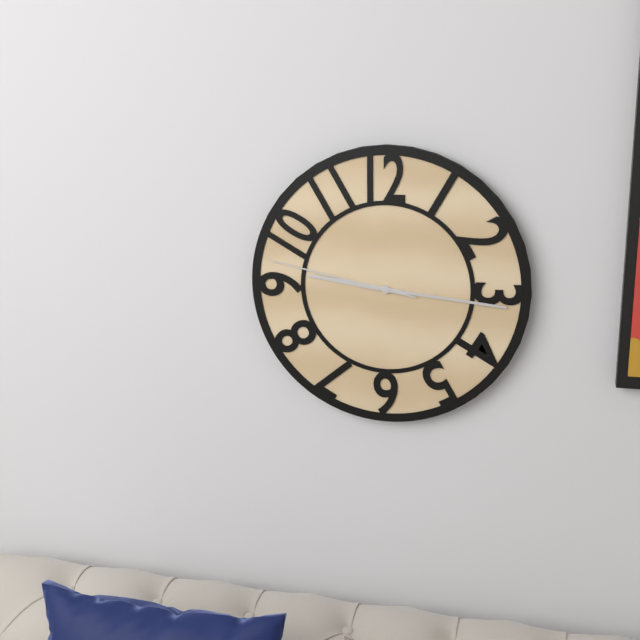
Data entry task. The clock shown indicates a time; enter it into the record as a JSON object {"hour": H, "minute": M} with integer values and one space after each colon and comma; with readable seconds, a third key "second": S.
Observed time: {"hour": 9, "minute": 16, "second": 47}
